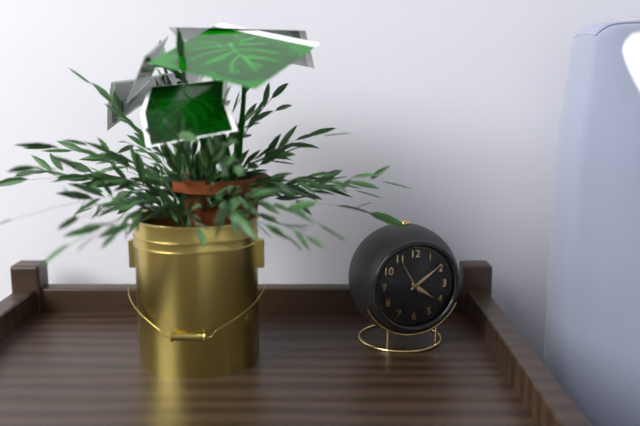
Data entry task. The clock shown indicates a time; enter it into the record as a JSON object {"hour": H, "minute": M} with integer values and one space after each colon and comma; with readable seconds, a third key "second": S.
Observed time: {"hour": 4, "minute": 9}
